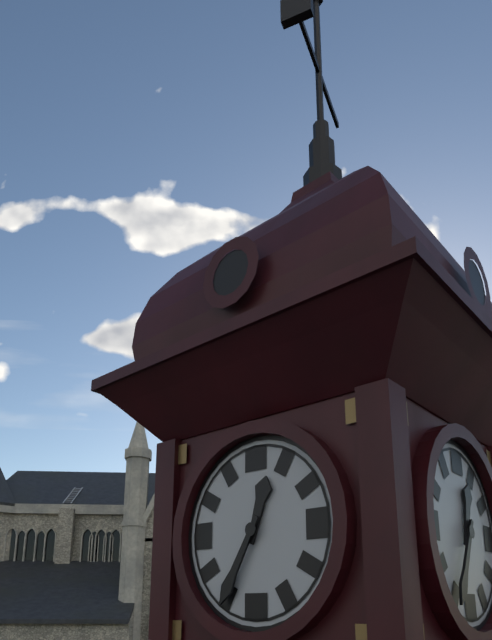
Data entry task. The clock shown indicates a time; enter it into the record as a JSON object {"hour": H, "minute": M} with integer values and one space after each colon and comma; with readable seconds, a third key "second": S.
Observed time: {"hour": 12, "minute": 35}
